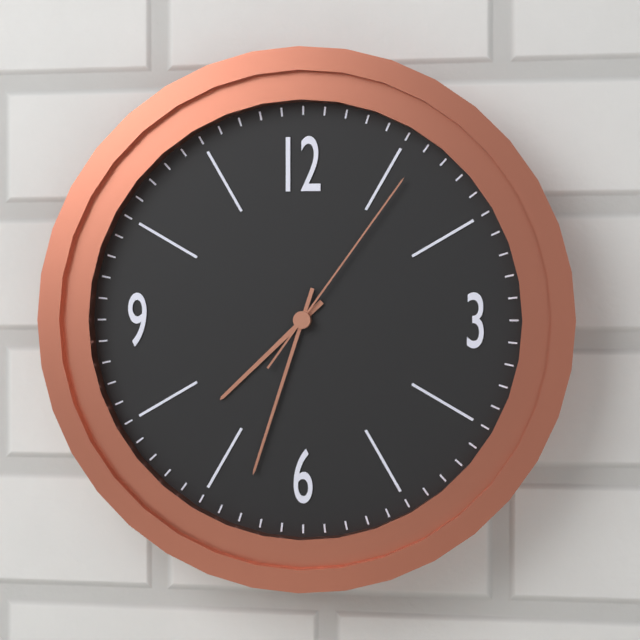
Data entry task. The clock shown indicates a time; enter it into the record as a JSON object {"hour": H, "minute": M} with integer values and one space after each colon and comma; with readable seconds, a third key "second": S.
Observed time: {"hour": 7, "minute": 33, "second": 6}
